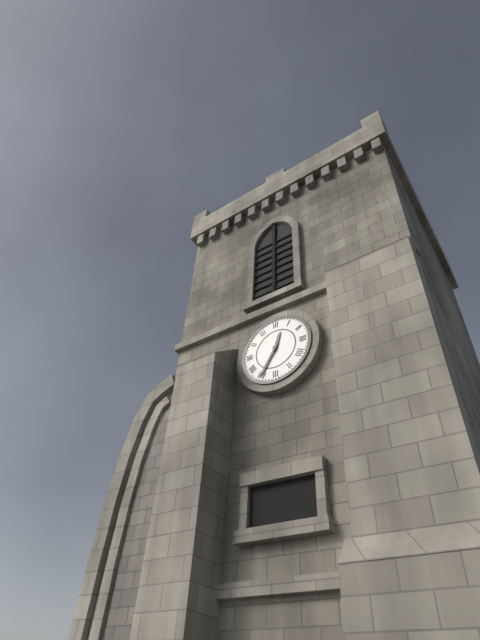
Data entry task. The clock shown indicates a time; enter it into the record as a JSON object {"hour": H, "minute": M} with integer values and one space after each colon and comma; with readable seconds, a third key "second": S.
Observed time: {"hour": 12, "minute": 35}
